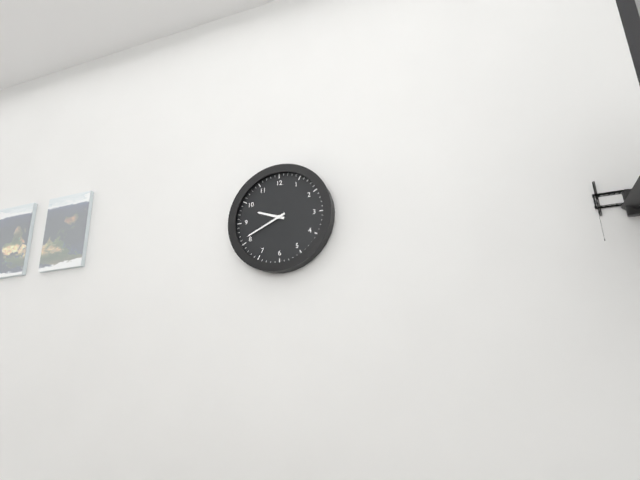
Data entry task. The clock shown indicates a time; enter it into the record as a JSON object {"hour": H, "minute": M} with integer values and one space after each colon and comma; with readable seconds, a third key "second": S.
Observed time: {"hour": 9, "minute": 41}
